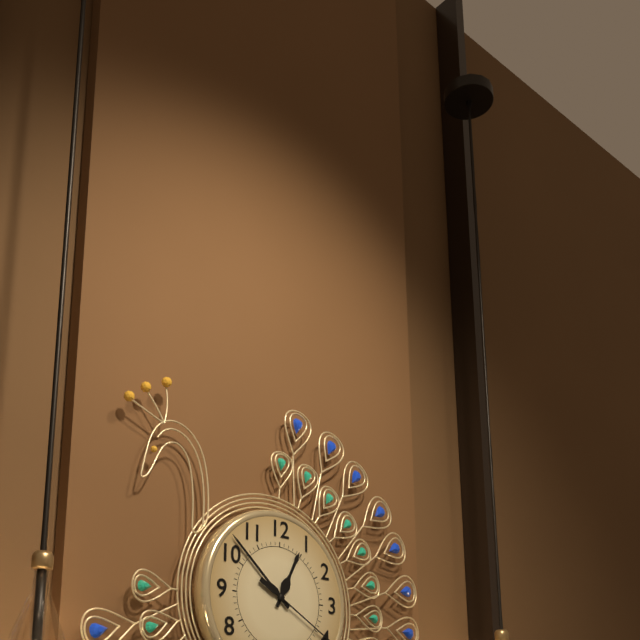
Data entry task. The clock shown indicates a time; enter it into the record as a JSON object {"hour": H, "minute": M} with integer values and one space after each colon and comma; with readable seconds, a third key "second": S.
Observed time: {"hour": 12, "minute": 52}
